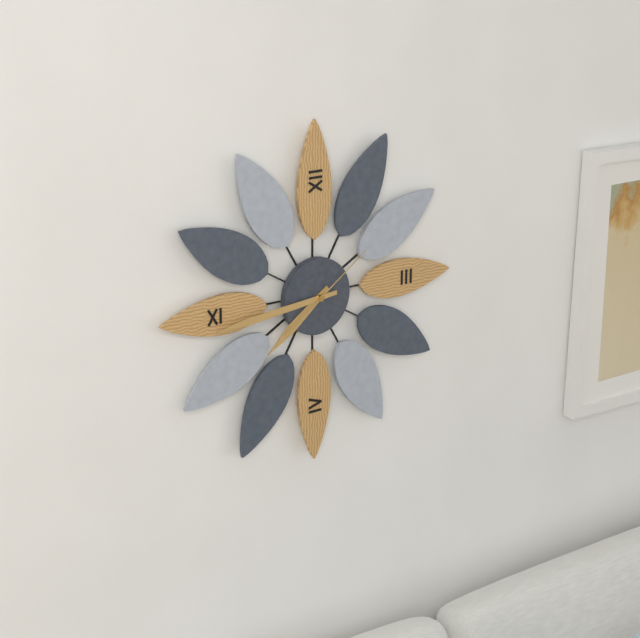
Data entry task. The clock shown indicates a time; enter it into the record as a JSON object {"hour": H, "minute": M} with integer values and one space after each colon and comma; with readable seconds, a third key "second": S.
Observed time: {"hour": 7, "minute": 44, "second": 9}
